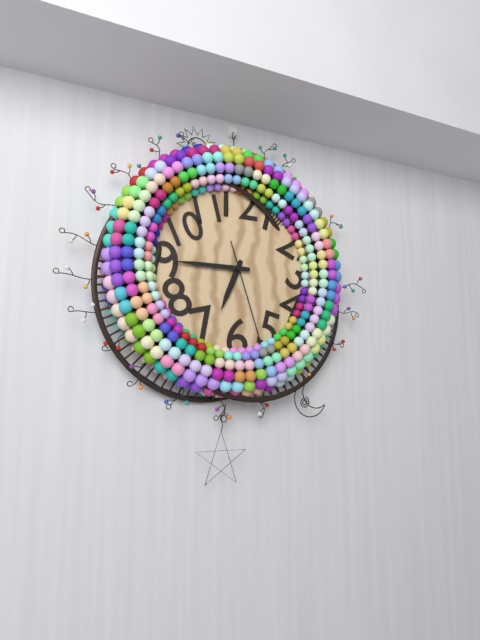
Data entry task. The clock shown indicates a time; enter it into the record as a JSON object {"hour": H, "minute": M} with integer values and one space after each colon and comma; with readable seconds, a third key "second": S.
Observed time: {"hour": 6, "minute": 45, "second": 27}
